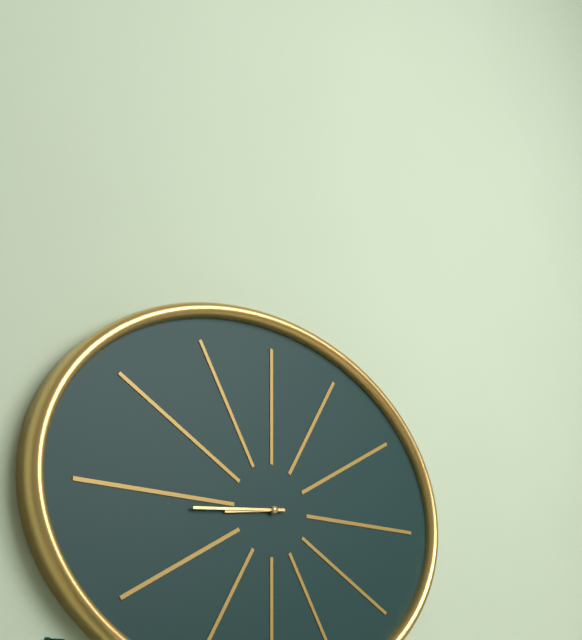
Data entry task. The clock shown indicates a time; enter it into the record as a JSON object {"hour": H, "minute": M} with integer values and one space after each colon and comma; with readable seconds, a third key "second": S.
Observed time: {"hour": 8, "minute": 44}
